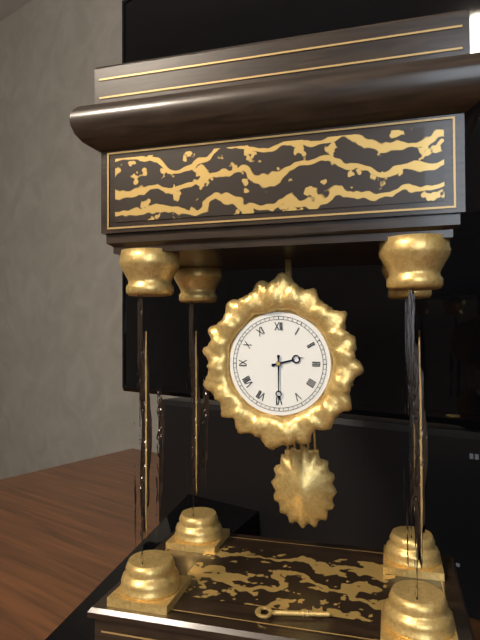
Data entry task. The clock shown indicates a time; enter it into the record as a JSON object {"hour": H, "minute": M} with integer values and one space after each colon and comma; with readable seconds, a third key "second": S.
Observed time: {"hour": 2, "minute": 30}
